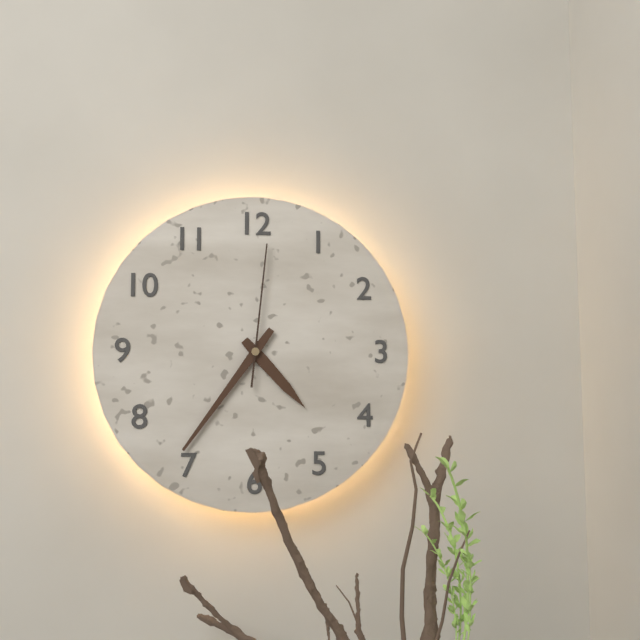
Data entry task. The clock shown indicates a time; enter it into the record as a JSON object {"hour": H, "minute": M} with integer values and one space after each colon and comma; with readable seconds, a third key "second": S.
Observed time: {"hour": 4, "minute": 36, "second": 1}
